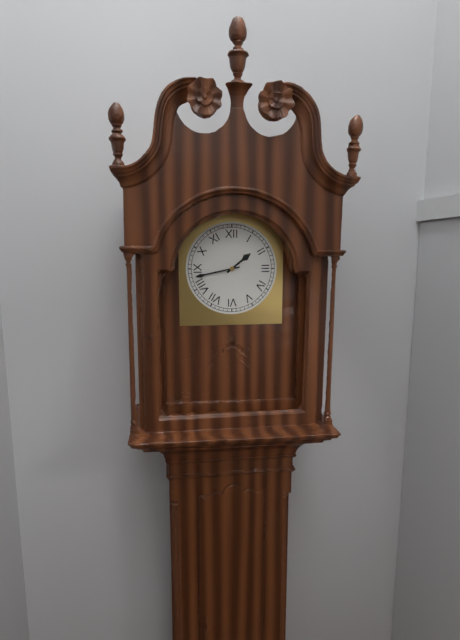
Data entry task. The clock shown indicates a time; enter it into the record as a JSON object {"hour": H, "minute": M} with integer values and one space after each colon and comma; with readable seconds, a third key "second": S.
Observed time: {"hour": 1, "minute": 43}
